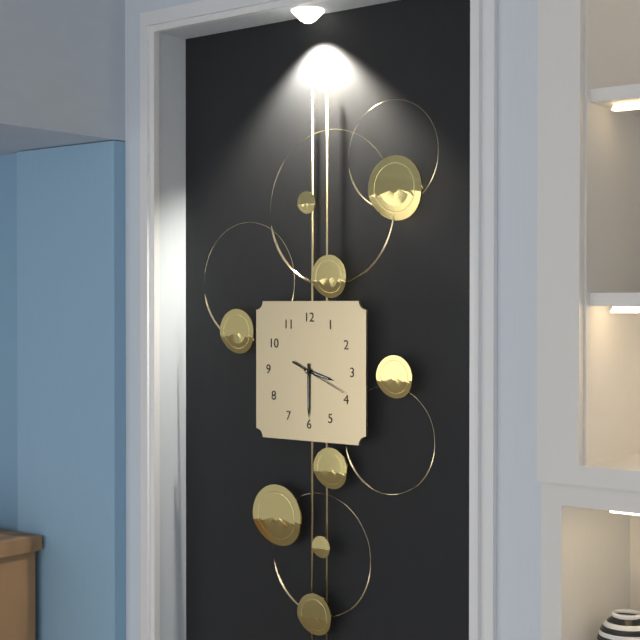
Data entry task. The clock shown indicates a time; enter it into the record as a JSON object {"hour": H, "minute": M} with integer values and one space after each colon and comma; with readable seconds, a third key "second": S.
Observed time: {"hour": 3, "minute": 30, "second": 19}
